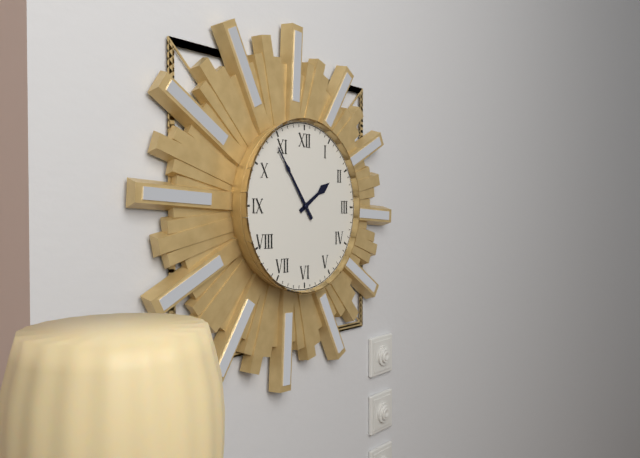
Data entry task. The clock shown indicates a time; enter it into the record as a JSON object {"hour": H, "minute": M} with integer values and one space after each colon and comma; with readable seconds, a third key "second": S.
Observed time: {"hour": 1, "minute": 54}
